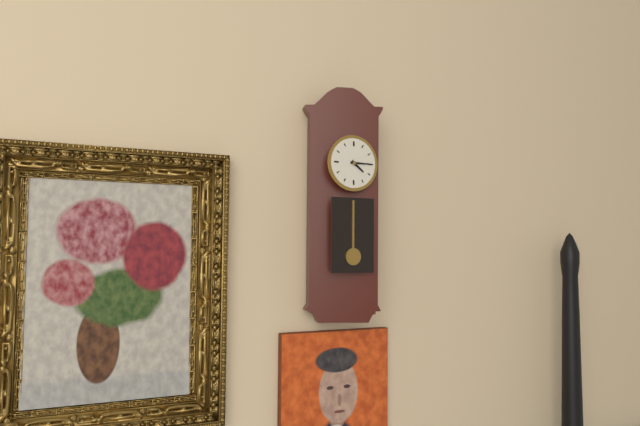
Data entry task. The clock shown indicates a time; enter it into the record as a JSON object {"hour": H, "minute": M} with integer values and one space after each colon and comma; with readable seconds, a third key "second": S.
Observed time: {"hour": 4, "minute": 15}
